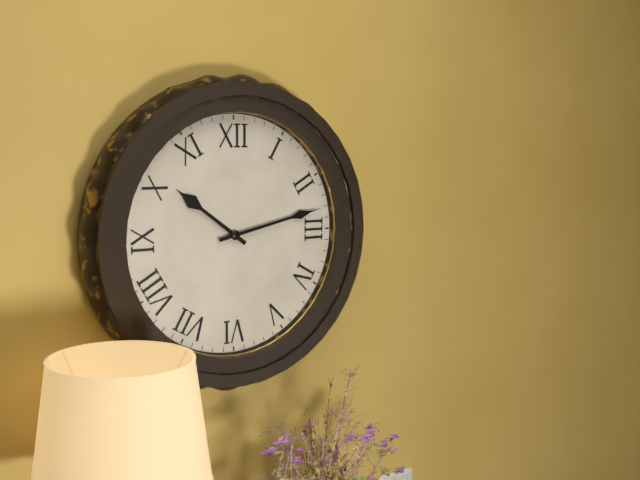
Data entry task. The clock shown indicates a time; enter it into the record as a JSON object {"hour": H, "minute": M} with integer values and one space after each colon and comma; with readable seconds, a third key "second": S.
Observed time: {"hour": 10, "minute": 13}
